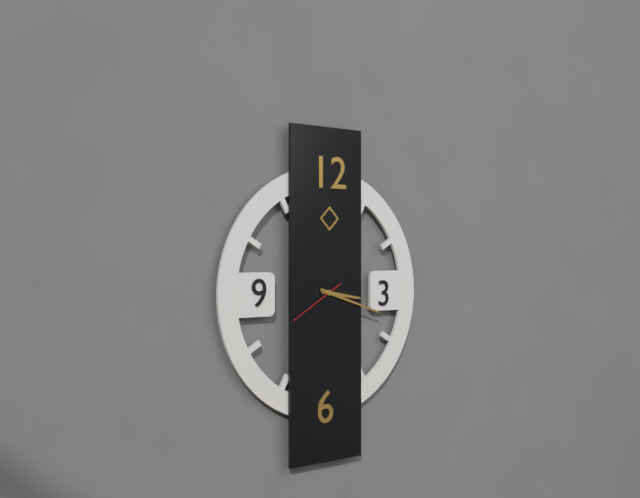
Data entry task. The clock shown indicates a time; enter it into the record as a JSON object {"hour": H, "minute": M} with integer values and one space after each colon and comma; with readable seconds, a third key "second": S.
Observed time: {"hour": 3, "minute": 18}
